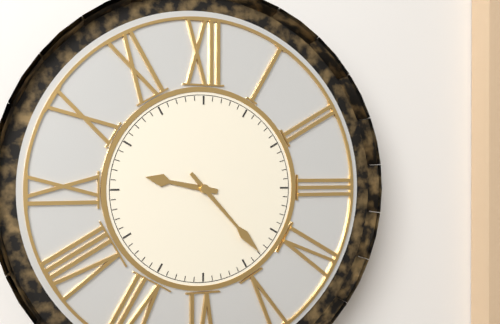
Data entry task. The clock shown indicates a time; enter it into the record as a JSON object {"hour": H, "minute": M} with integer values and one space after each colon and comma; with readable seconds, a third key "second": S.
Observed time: {"hour": 9, "minute": 23}
